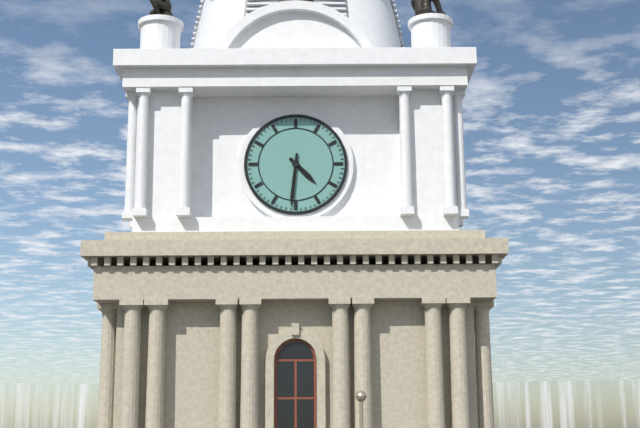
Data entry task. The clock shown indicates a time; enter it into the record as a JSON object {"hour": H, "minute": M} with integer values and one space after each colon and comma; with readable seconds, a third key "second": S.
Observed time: {"hour": 4, "minute": 31}
